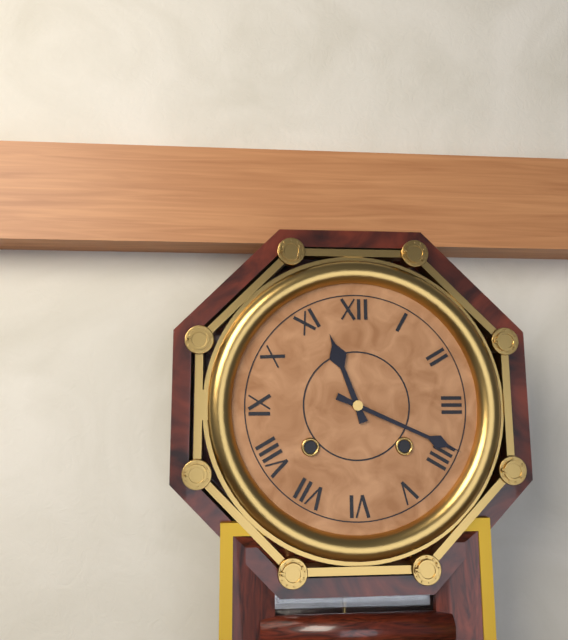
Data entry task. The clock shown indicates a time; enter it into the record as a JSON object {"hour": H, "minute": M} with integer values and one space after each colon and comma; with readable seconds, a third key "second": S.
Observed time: {"hour": 11, "minute": 19}
